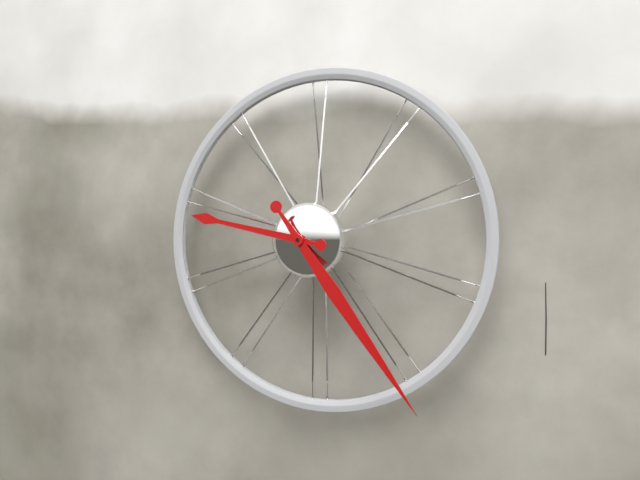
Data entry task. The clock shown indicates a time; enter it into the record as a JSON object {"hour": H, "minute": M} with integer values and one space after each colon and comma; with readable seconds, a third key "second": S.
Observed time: {"hour": 9, "minute": 24}
